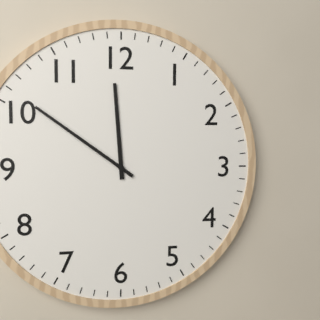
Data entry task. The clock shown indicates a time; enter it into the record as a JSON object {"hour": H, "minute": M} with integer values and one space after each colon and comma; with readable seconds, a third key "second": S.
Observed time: {"hour": 11, "minute": 51}
